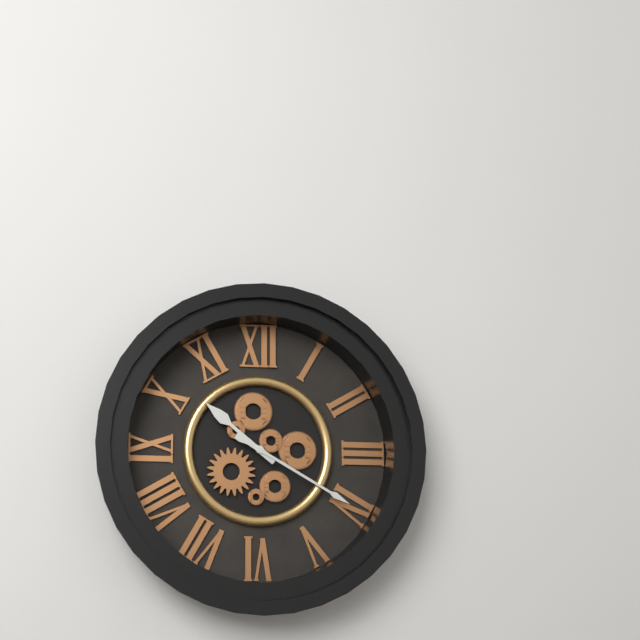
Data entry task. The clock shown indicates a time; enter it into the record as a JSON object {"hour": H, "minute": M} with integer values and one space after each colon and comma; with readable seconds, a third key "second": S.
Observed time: {"hour": 10, "minute": 20}
